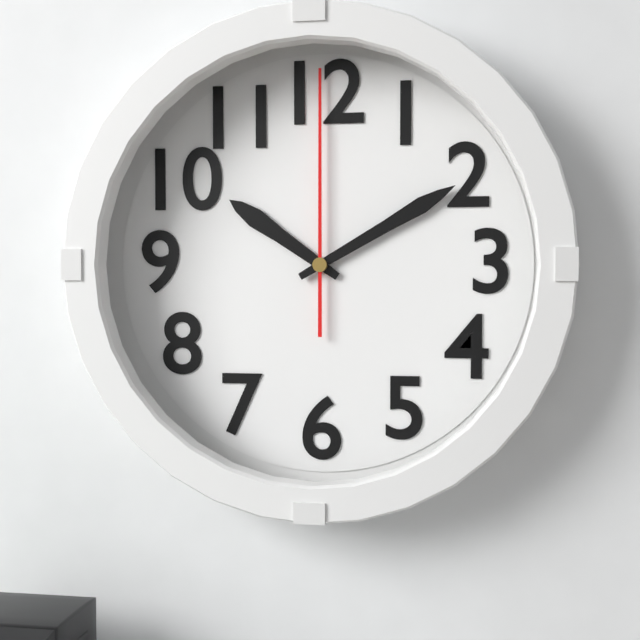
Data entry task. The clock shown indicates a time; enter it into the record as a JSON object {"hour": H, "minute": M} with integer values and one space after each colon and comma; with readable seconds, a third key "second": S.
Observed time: {"hour": 10, "minute": 10, "second": 0}
